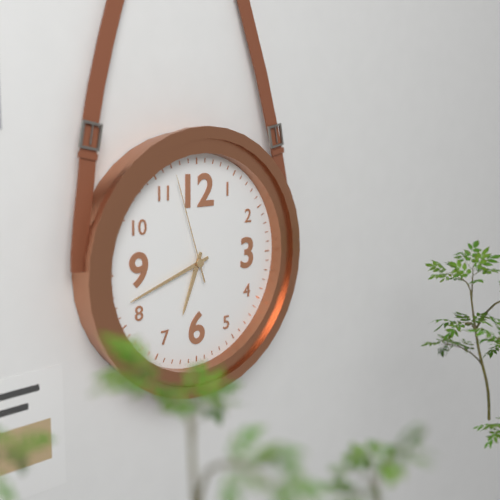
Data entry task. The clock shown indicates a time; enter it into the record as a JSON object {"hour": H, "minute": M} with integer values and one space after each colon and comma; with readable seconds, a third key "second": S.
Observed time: {"hour": 6, "minute": 42, "second": 57}
